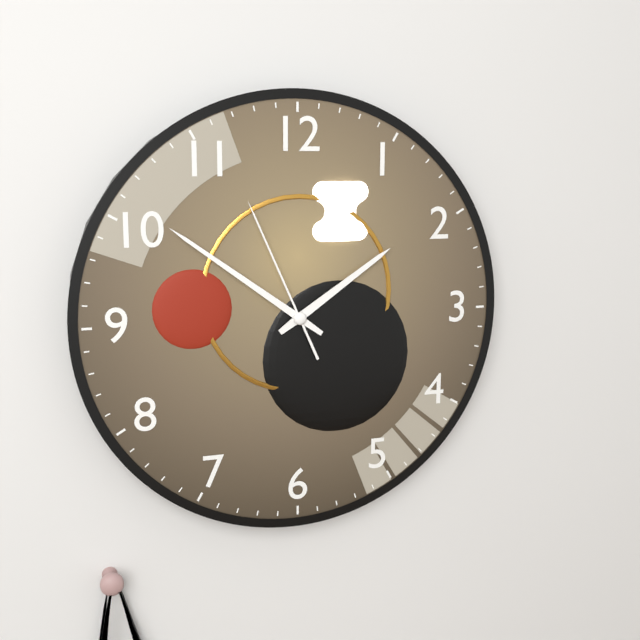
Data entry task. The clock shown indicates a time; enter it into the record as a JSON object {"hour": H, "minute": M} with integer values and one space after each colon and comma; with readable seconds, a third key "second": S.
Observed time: {"hour": 1, "minute": 51, "second": 56}
